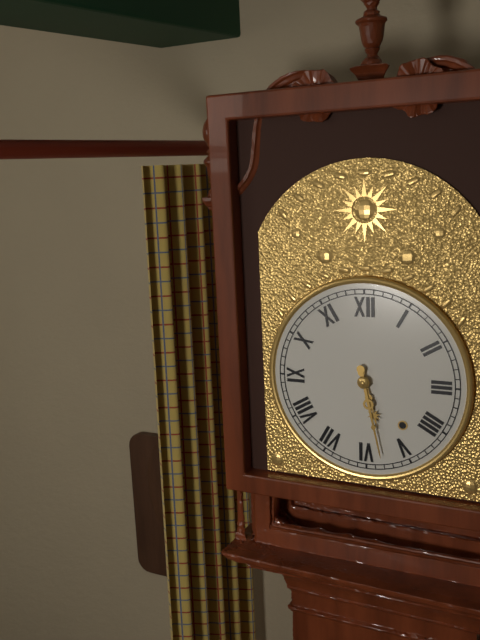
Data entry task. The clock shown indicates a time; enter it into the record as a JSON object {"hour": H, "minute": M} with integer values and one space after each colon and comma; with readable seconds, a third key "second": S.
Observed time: {"hour": 5, "minute": 28}
